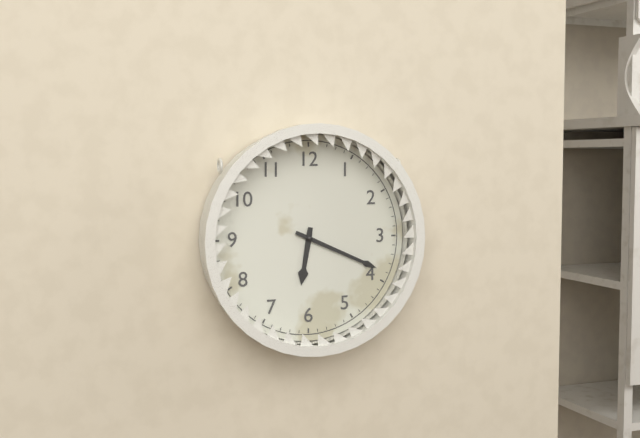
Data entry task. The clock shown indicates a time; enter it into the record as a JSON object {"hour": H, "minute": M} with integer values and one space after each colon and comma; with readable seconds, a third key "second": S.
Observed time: {"hour": 6, "minute": 19}
